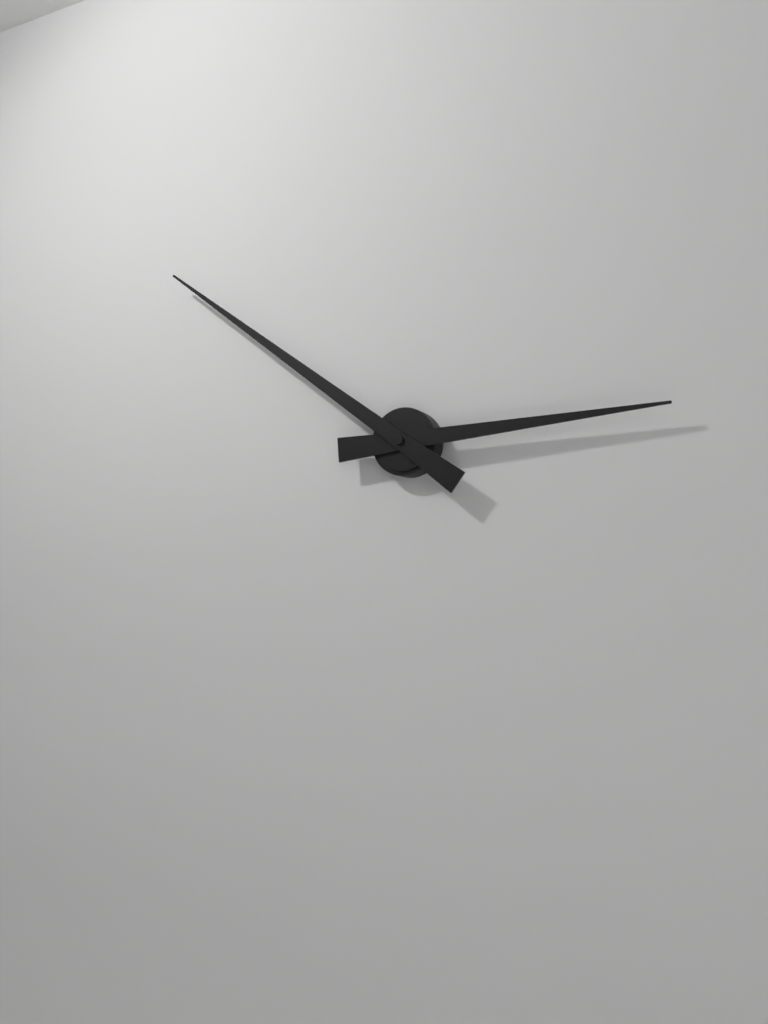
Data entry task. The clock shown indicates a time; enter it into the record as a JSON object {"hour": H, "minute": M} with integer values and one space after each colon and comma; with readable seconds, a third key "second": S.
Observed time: {"hour": 2, "minute": 51}
